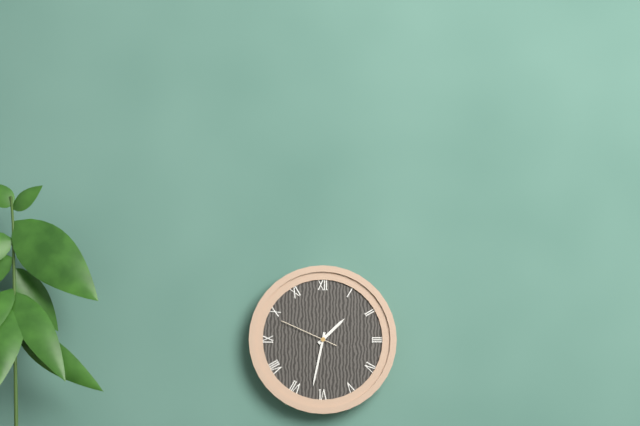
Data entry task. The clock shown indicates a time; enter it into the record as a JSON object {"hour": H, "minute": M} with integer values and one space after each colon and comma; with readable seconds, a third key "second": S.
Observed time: {"hour": 1, "minute": 32, "second": 49}
